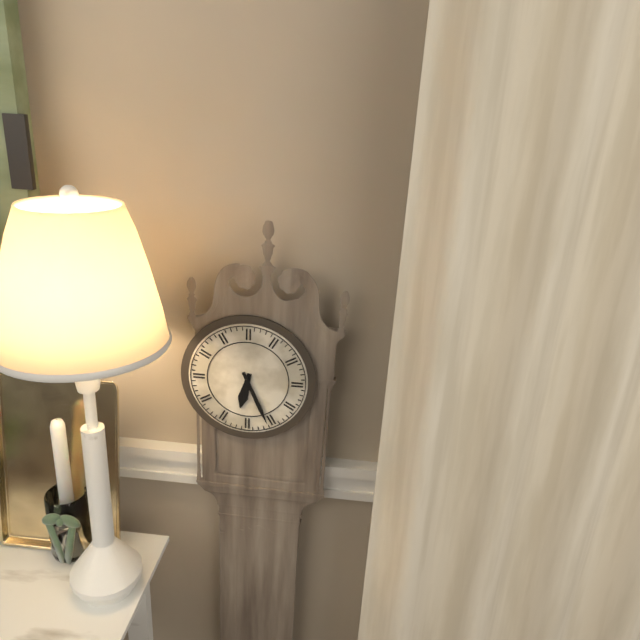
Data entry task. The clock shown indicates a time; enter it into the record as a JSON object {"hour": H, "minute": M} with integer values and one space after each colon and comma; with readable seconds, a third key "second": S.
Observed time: {"hour": 6, "minute": 26}
